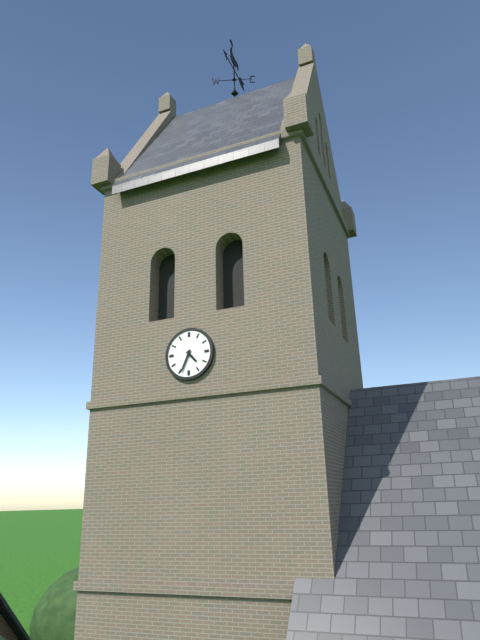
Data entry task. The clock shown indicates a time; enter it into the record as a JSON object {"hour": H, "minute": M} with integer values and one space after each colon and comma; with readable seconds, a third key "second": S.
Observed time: {"hour": 4, "minute": 34}
